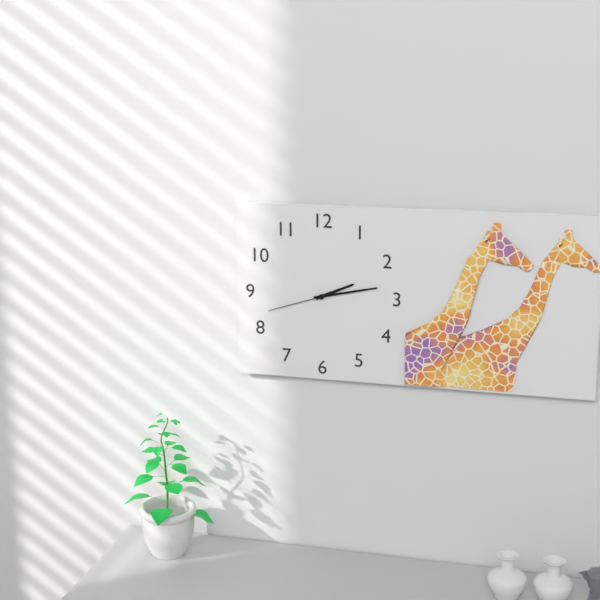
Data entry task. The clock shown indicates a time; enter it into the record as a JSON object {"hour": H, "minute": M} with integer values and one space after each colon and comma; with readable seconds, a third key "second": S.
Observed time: {"hour": 2, "minute": 13, "second": 42}
